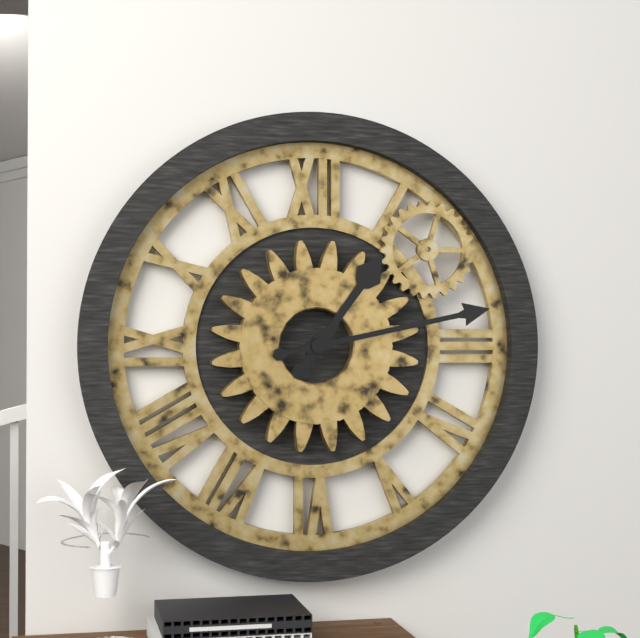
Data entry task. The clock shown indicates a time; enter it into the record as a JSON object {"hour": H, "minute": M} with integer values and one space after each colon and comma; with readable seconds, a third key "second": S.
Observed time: {"hour": 1, "minute": 13}
